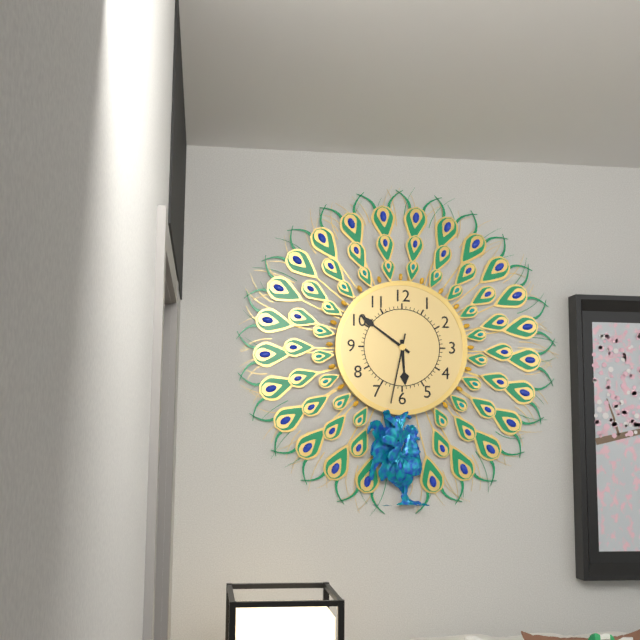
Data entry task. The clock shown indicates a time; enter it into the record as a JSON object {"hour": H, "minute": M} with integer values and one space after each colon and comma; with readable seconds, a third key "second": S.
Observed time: {"hour": 5, "minute": 51, "second": 32}
